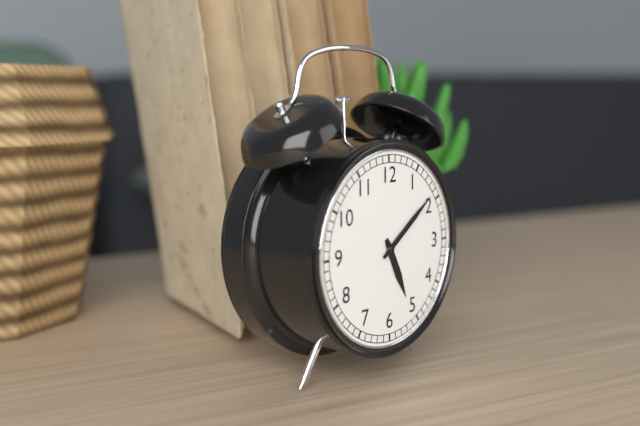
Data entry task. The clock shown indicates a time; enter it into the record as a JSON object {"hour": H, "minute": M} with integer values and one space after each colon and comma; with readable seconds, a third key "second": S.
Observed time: {"hour": 5, "minute": 9}
